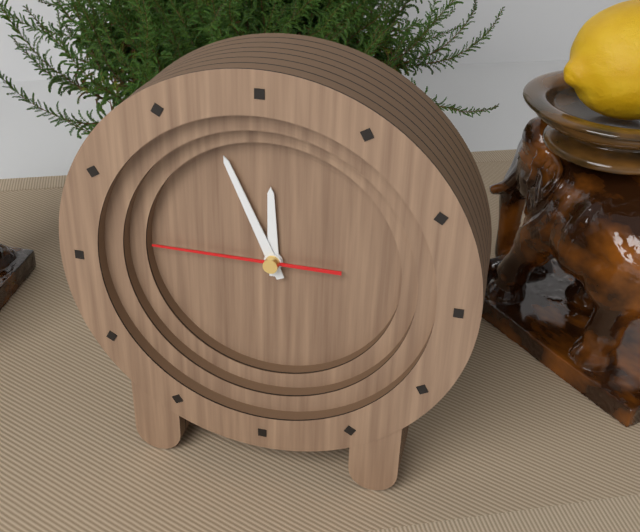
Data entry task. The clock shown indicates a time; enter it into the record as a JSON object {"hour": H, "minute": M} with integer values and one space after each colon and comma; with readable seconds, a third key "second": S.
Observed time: {"hour": 11, "minute": 56, "second": 45}
